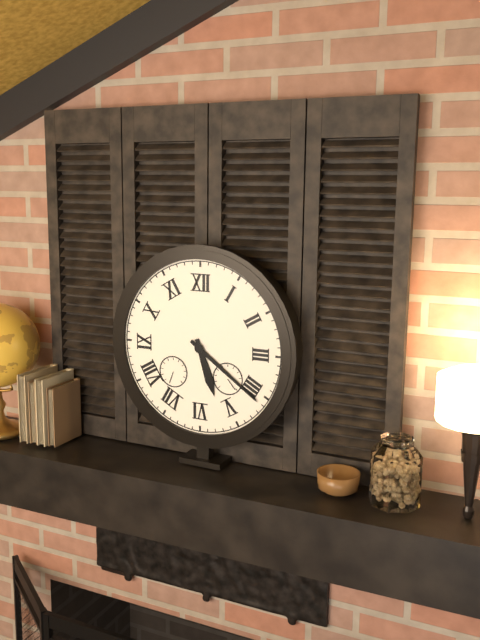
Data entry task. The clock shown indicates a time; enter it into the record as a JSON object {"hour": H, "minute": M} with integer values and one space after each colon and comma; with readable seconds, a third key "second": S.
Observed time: {"hour": 5, "minute": 21}
